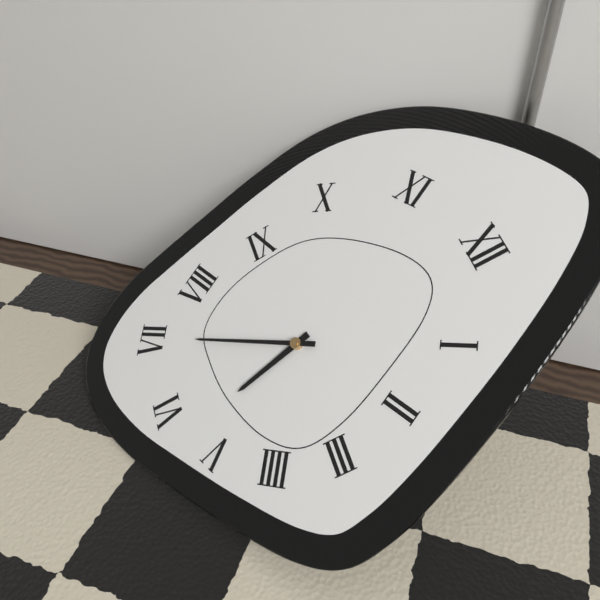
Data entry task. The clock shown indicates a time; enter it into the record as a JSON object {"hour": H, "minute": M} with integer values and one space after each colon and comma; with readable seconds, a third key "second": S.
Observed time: {"hour": 5, "minute": 35}
